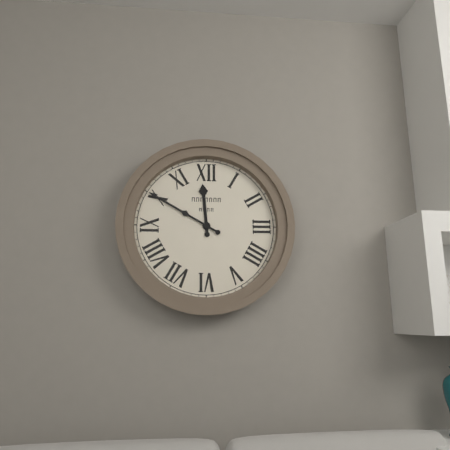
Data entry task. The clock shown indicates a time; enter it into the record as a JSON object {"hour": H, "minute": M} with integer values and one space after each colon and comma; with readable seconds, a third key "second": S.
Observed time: {"hour": 11, "minute": 50}
